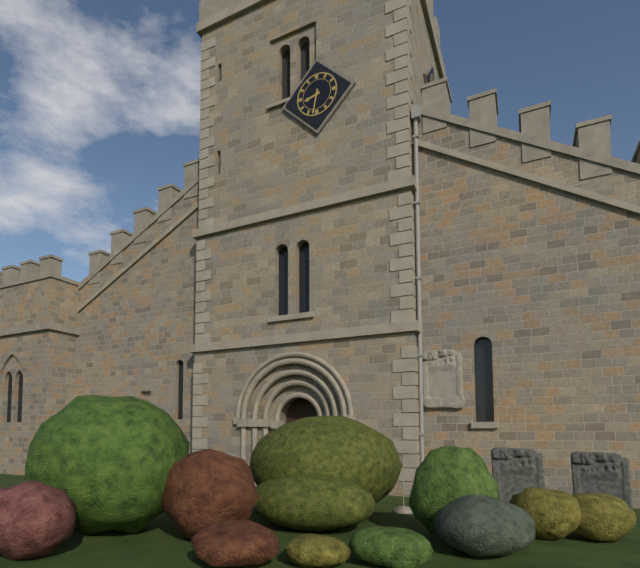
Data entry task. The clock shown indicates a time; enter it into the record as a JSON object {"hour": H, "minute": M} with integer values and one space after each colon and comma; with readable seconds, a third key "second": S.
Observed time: {"hour": 8, "minute": 32}
